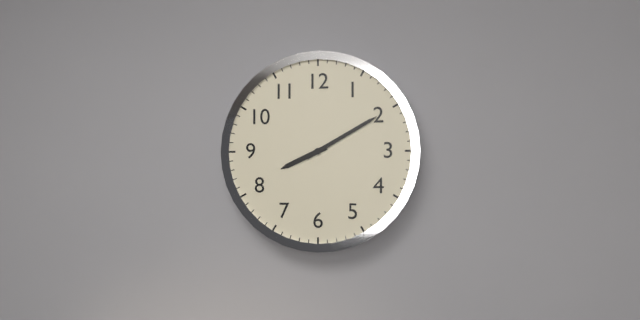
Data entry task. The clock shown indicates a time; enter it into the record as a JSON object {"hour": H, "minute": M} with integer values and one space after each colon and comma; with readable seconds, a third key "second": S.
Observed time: {"hour": 8, "minute": 10}
